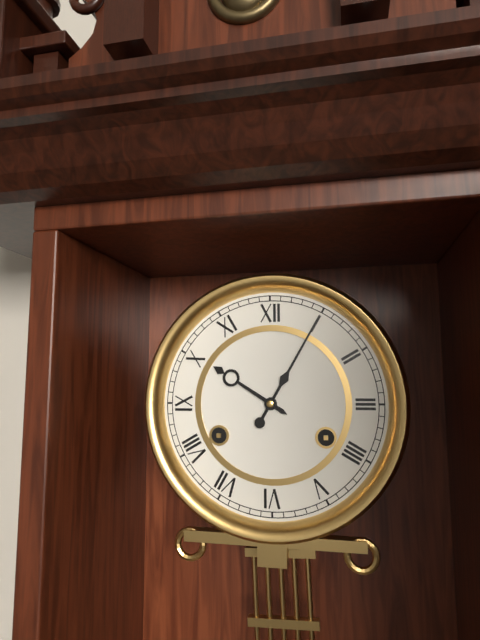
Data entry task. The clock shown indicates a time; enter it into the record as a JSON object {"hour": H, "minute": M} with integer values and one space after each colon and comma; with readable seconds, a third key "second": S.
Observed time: {"hour": 10, "minute": 5}
